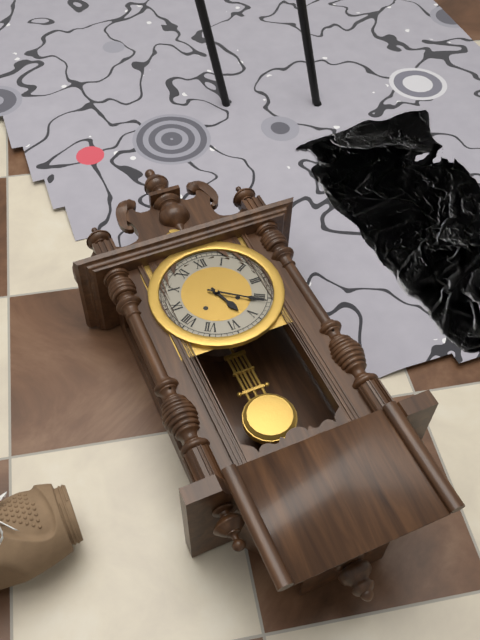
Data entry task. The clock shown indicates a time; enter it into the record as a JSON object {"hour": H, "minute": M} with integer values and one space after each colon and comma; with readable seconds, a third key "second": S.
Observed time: {"hour": 5, "minute": 21}
